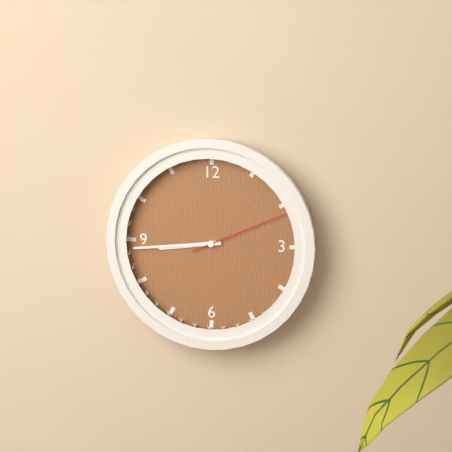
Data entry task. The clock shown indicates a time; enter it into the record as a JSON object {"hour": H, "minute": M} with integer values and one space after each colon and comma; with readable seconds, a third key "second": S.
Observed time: {"hour": 8, "minute": 44, "second": 11}
